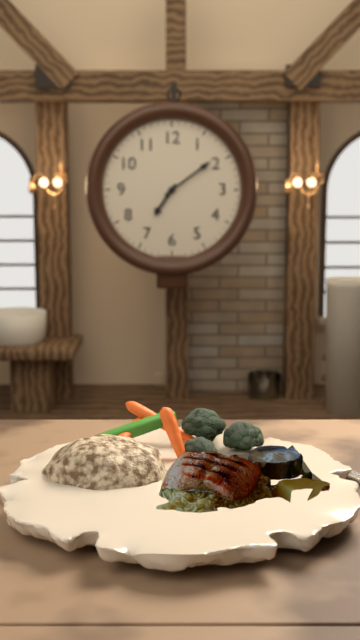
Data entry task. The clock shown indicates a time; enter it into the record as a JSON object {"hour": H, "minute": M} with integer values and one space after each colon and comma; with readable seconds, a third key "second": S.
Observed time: {"hour": 7, "minute": 9}
